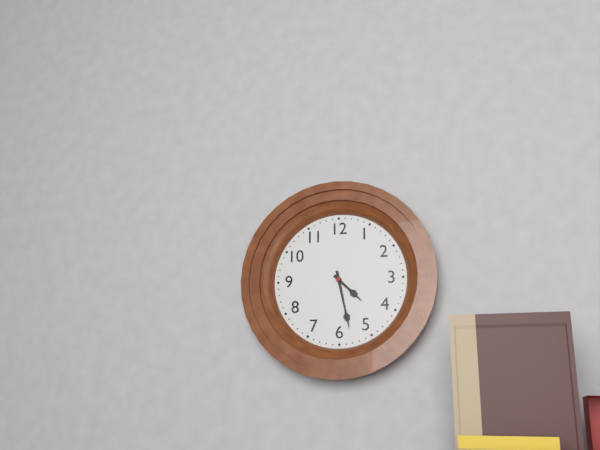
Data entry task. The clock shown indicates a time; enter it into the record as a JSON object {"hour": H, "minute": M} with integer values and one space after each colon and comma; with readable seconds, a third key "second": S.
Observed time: {"hour": 4, "minute": 28}
